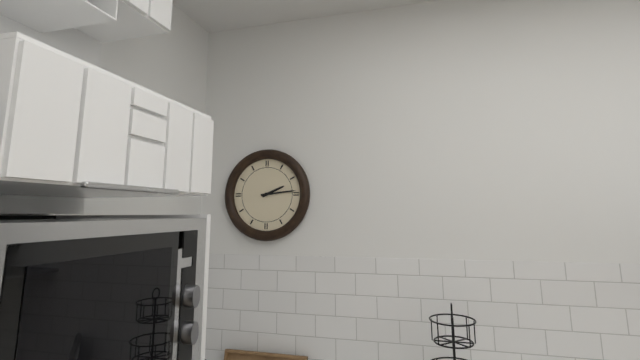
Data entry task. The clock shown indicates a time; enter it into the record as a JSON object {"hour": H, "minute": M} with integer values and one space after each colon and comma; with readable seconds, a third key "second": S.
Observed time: {"hour": 2, "minute": 14}
